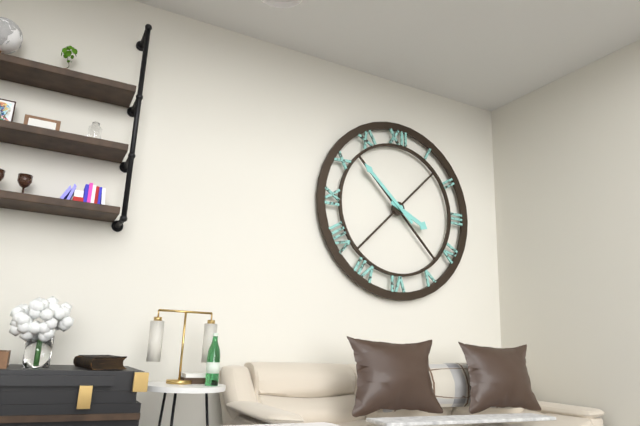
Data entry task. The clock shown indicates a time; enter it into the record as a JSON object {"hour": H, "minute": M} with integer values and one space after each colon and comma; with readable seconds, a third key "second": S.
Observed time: {"hour": 3, "minute": 52}
